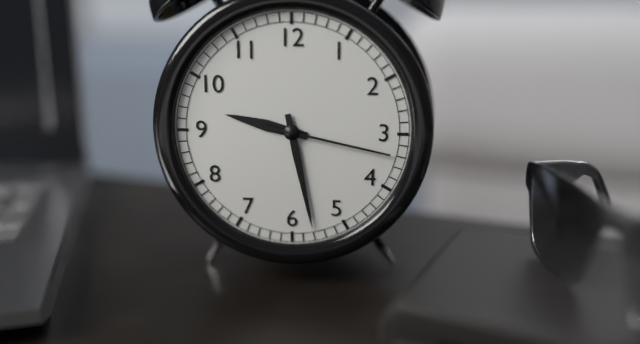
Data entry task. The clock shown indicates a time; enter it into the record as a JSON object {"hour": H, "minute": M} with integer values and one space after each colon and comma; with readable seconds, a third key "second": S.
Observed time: {"hour": 9, "minute": 28, "second": 17}
